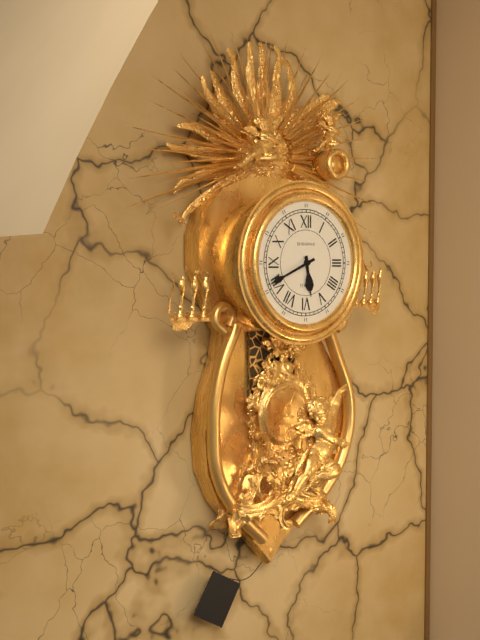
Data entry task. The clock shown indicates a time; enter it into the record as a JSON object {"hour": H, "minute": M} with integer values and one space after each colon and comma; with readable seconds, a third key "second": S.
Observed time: {"hour": 5, "minute": 41}
